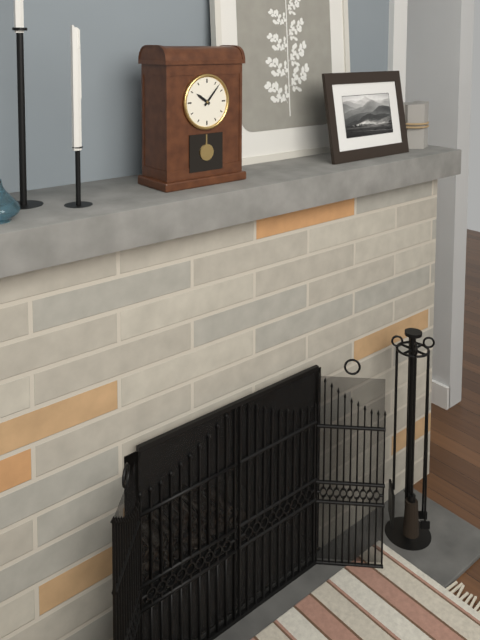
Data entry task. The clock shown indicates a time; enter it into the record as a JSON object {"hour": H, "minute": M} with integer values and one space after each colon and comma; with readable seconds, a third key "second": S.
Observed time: {"hour": 10, "minute": 7}
